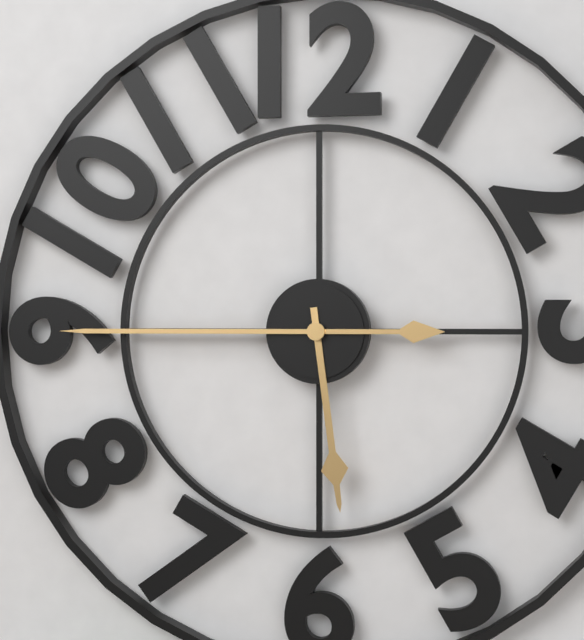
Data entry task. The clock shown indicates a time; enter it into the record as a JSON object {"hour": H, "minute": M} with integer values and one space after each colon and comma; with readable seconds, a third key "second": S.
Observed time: {"hour": 5, "minute": 45}
